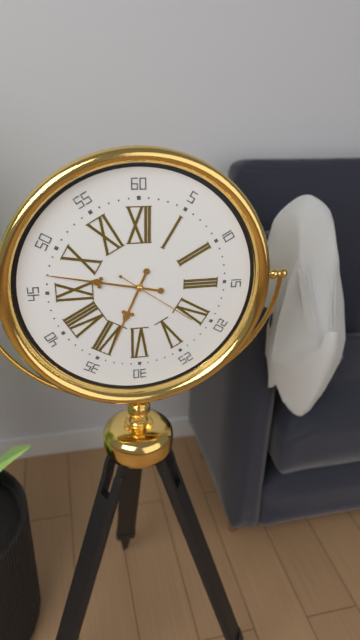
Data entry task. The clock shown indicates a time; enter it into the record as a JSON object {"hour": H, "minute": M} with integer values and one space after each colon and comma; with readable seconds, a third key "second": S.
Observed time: {"hour": 6, "minute": 47, "second": 21}
